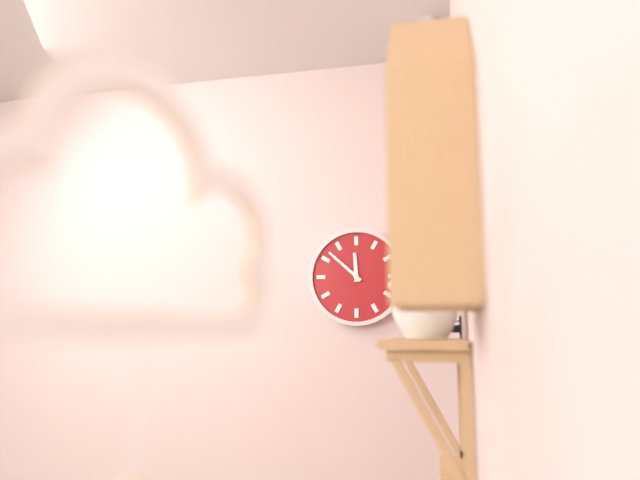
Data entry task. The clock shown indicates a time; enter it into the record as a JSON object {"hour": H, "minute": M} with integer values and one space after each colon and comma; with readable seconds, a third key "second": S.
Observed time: {"hour": 11, "minute": 52}
